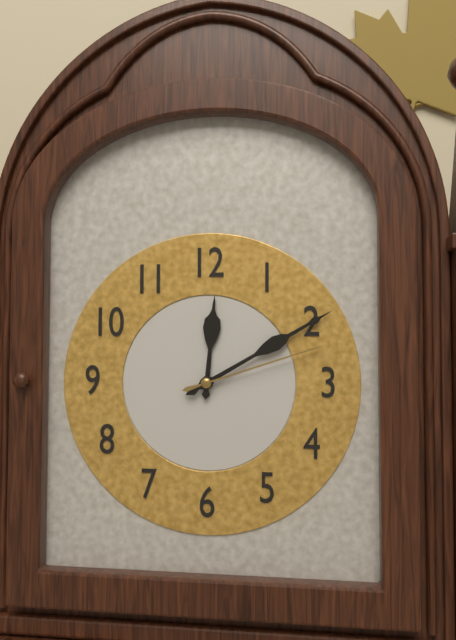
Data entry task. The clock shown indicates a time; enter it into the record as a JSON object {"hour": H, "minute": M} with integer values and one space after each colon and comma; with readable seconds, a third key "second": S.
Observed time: {"hour": 12, "minute": 10, "second": 12}
